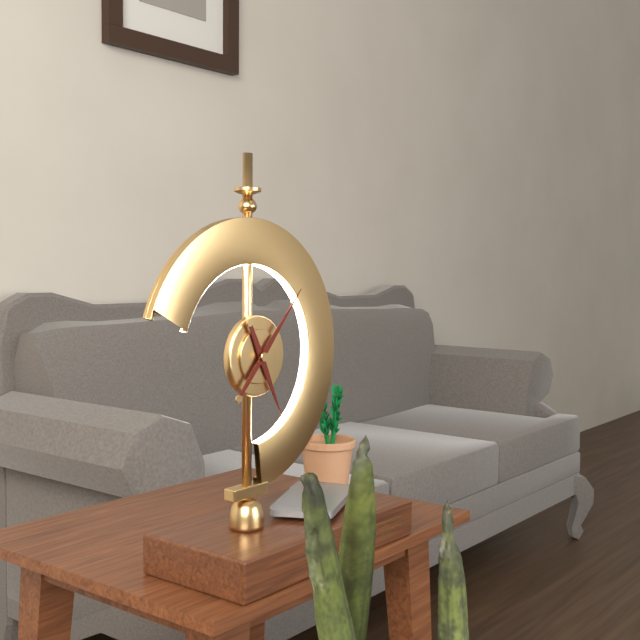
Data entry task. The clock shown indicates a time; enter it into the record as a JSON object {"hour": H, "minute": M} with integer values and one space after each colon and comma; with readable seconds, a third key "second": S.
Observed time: {"hour": 5, "minute": 7}
